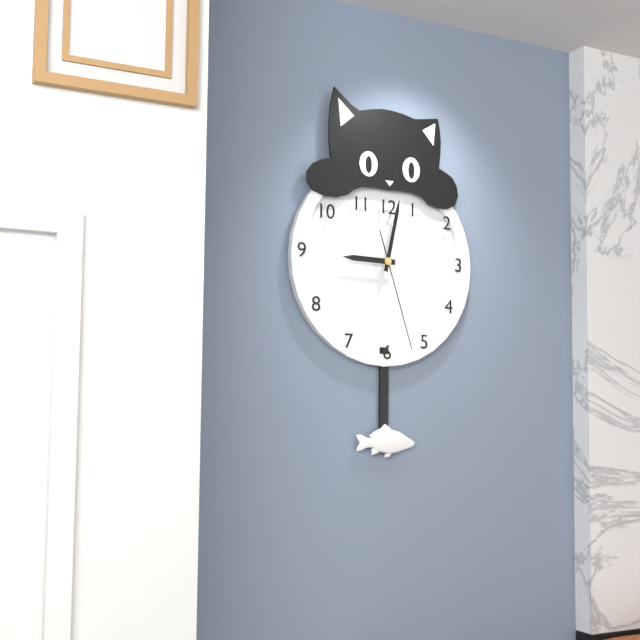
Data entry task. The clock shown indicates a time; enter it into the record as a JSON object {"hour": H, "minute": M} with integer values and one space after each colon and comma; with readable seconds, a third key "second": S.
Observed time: {"hour": 9, "minute": 2, "second": 27}
